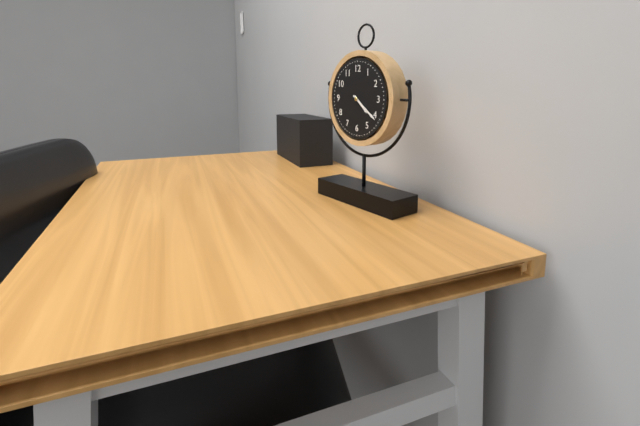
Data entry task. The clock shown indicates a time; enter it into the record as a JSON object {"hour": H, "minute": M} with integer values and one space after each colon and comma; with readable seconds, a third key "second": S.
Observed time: {"hour": 4, "minute": 21}
